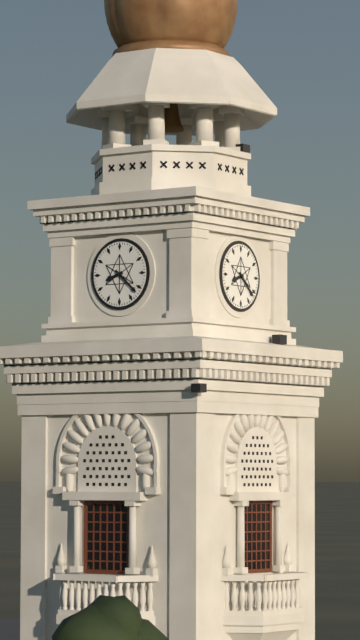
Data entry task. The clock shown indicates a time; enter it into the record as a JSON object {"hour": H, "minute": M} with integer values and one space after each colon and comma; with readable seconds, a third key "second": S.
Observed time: {"hour": 8, "minute": 22}
